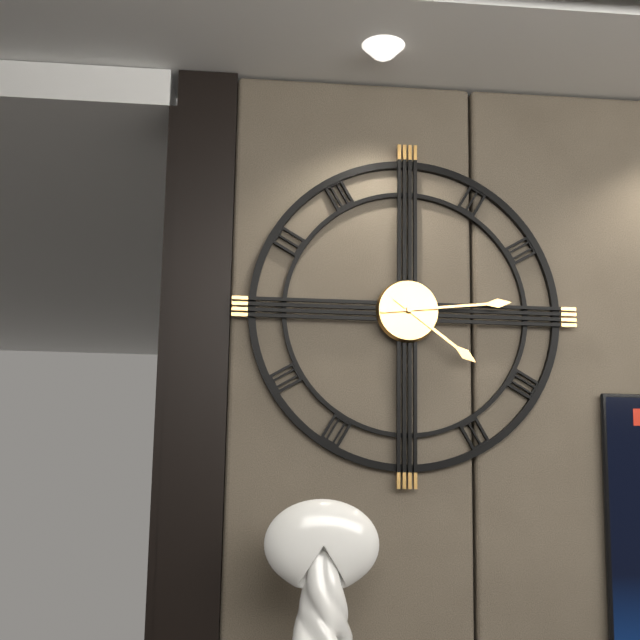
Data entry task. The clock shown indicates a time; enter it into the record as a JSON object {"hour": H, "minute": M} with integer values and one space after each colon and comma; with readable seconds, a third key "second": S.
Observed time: {"hour": 4, "minute": 14}
